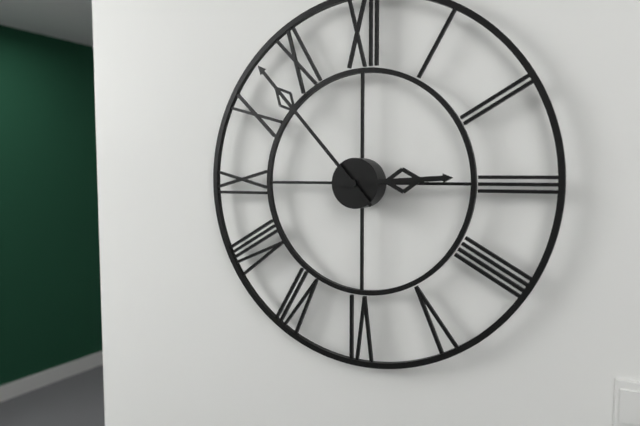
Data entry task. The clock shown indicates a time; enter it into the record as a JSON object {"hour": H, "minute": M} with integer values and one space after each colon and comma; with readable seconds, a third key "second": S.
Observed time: {"hour": 2, "minute": 53}
